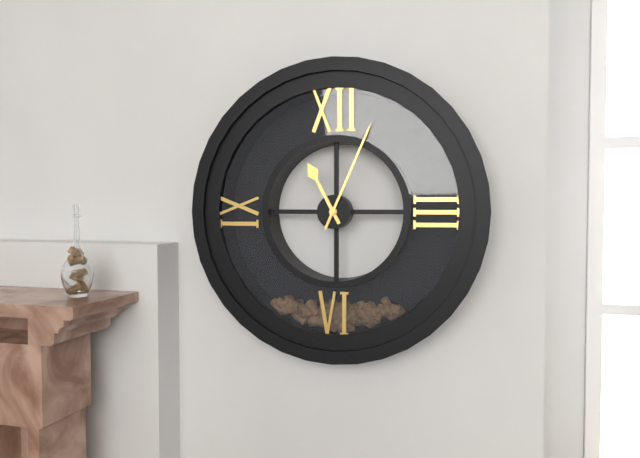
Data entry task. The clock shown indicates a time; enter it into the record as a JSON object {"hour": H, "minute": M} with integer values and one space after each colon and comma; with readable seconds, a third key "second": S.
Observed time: {"hour": 11, "minute": 4}
